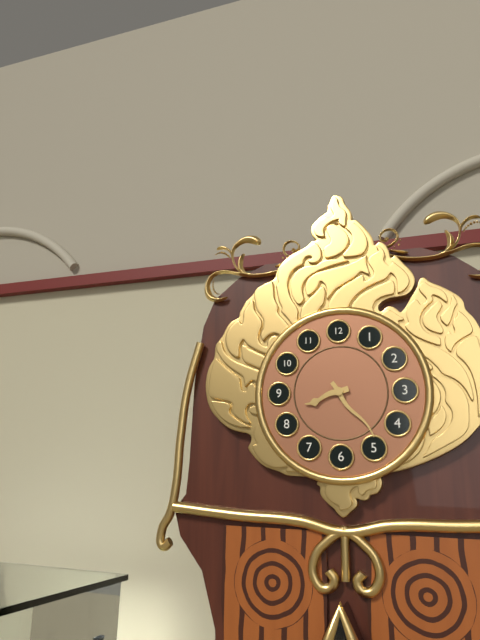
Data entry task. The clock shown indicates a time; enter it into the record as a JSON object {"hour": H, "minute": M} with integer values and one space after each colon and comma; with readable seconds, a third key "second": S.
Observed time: {"hour": 8, "minute": 24}
